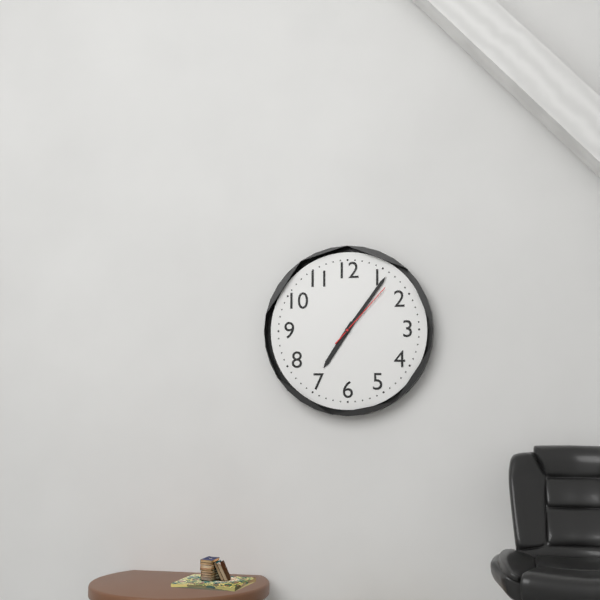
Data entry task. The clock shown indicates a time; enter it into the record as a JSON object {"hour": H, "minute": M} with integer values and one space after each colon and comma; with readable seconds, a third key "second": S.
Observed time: {"hour": 7, "minute": 6, "second": 7}
